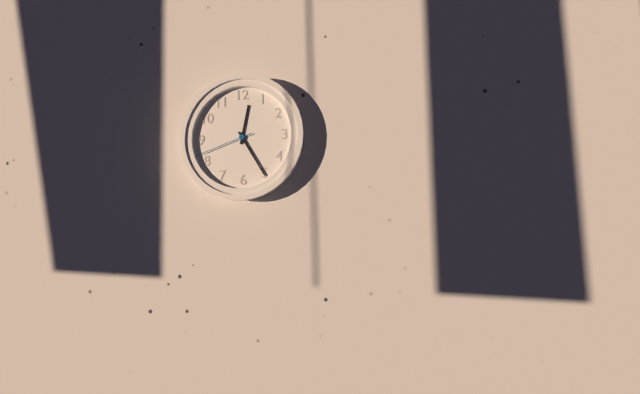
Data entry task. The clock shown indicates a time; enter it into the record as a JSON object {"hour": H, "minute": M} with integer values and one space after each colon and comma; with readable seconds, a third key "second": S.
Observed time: {"hour": 12, "minute": 25, "second": 42}
